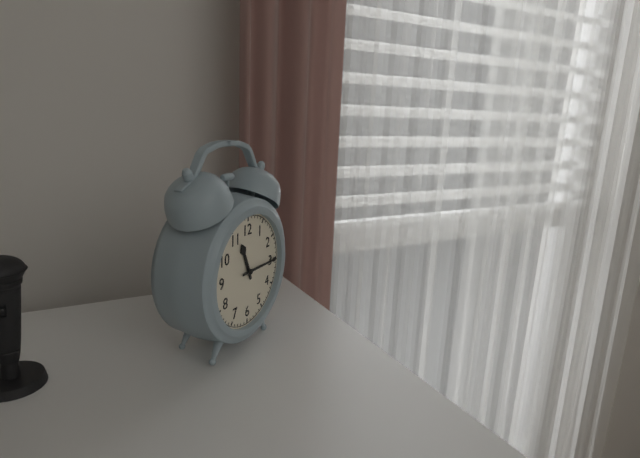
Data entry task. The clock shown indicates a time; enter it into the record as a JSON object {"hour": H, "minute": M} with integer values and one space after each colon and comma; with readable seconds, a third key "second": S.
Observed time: {"hour": 11, "minute": 15}
